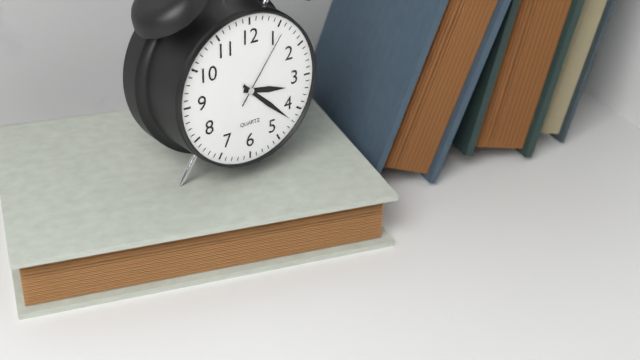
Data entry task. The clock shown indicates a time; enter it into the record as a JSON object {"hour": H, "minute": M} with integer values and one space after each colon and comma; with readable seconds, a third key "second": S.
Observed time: {"hour": 3, "minute": 22, "second": 6}
